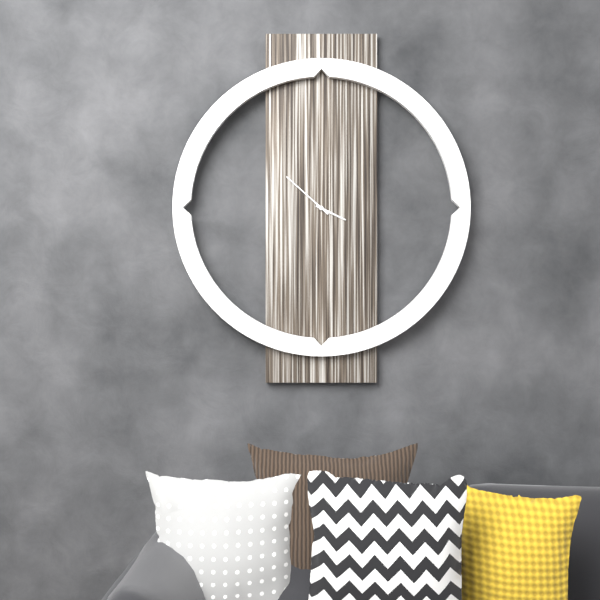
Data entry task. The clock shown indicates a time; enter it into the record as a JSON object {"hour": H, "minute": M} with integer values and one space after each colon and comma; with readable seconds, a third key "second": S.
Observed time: {"hour": 3, "minute": 52}
